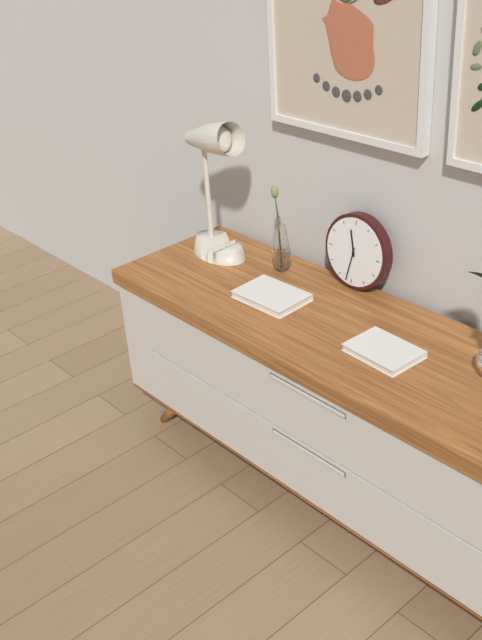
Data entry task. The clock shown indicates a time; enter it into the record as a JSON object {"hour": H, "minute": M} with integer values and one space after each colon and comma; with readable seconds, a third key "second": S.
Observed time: {"hour": 11, "minute": 32}
